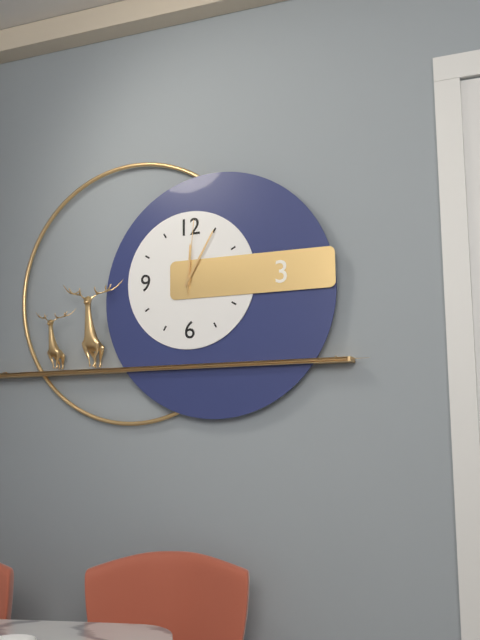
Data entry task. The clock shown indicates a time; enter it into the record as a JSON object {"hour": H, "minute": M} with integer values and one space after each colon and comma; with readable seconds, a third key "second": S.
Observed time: {"hour": 12, "minute": 5, "second": 1}
